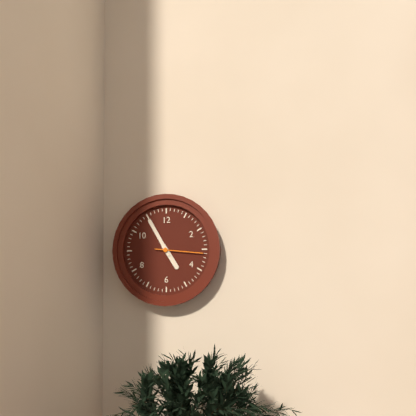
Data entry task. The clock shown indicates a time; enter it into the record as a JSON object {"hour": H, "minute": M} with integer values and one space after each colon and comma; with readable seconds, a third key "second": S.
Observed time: {"hour": 4, "minute": 55}
